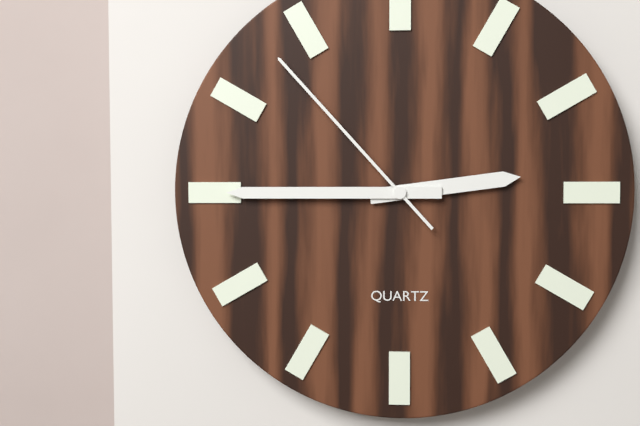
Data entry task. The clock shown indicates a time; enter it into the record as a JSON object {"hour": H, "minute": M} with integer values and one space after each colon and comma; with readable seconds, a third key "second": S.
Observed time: {"hour": 2, "minute": 45, "second": 53}
